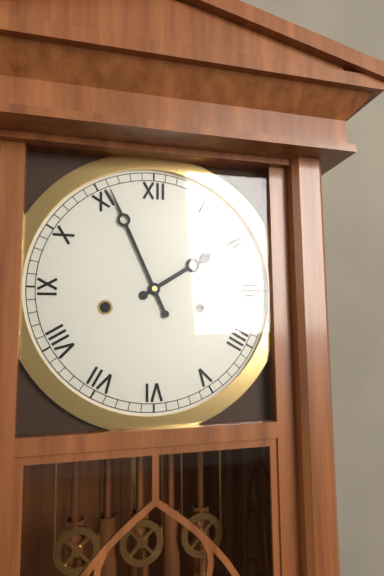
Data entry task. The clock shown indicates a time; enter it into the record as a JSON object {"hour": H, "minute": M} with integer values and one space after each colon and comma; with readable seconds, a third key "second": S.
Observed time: {"hour": 1, "minute": 56}
